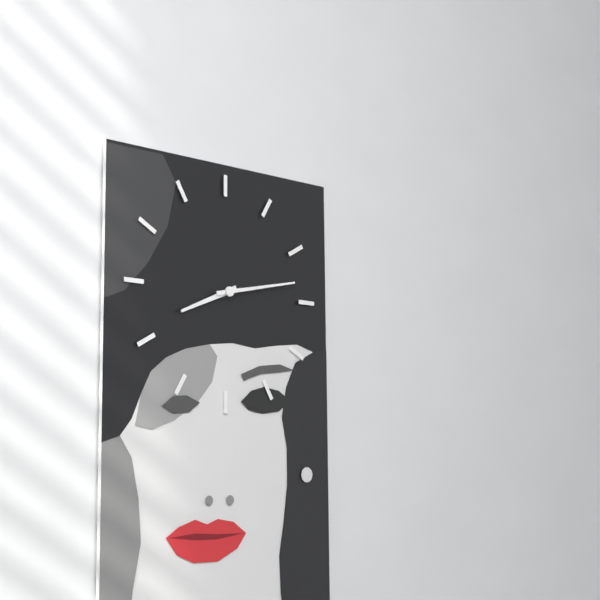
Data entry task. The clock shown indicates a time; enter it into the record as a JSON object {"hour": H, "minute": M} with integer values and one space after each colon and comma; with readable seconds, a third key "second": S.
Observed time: {"hour": 8, "minute": 13}
